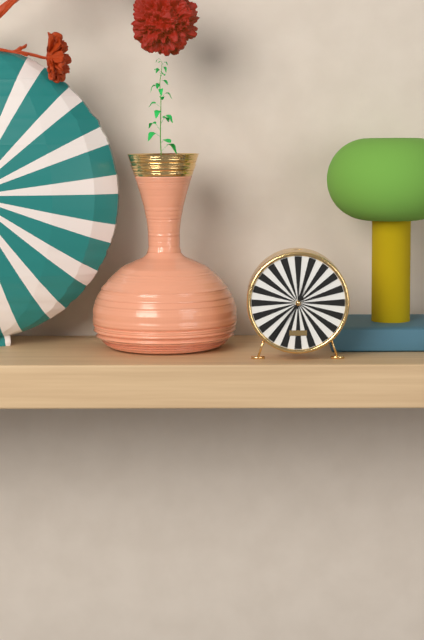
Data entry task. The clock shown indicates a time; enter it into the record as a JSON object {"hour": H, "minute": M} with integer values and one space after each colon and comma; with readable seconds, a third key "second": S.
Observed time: {"hour": 12, "minute": 36}
